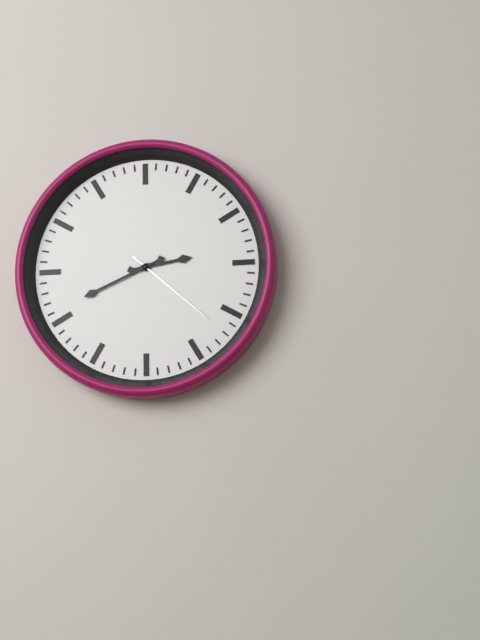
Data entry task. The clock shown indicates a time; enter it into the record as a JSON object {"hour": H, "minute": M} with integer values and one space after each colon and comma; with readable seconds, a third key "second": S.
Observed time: {"hour": 2, "minute": 41, "second": 22}
